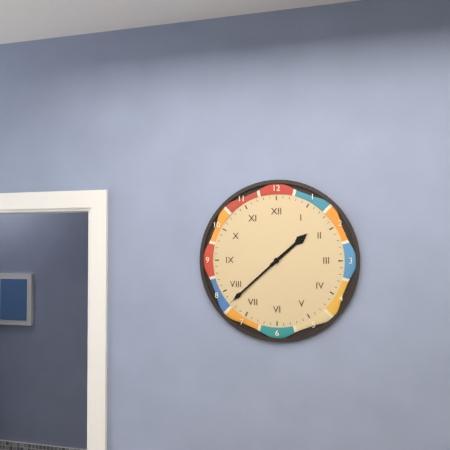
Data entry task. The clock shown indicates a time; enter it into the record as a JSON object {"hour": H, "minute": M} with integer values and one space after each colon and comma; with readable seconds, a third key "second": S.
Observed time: {"hour": 1, "minute": 38}
